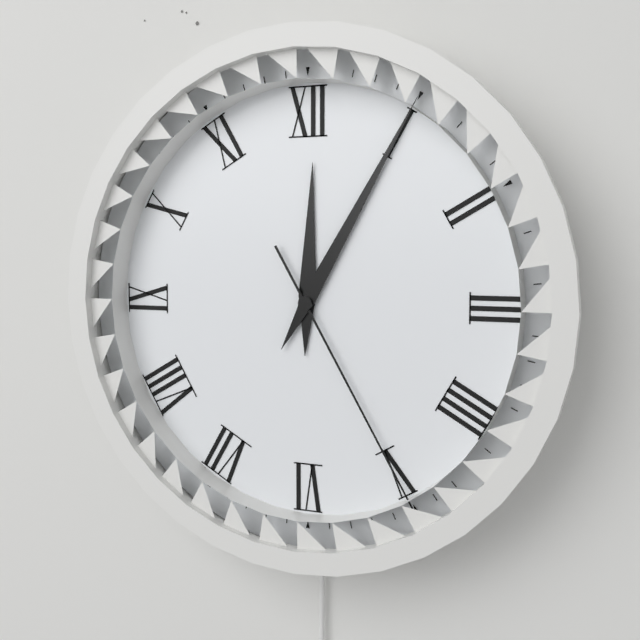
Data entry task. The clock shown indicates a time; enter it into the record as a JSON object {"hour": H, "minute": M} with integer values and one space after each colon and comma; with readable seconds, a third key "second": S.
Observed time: {"hour": 12, "minute": 5, "second": 25}
